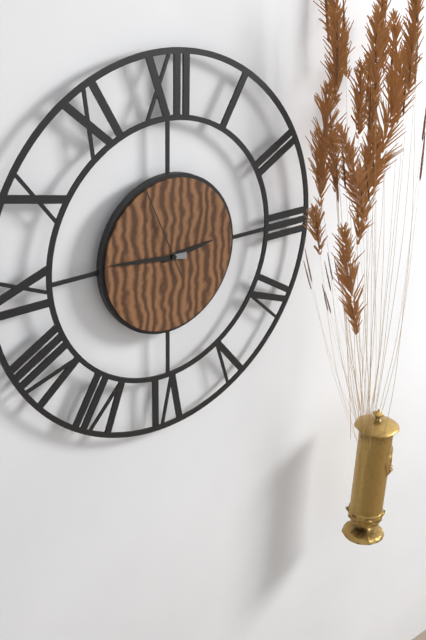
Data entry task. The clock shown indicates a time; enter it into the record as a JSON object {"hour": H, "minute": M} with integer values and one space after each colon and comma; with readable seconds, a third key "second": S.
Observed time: {"hour": 2, "minute": 46, "second": 56}
